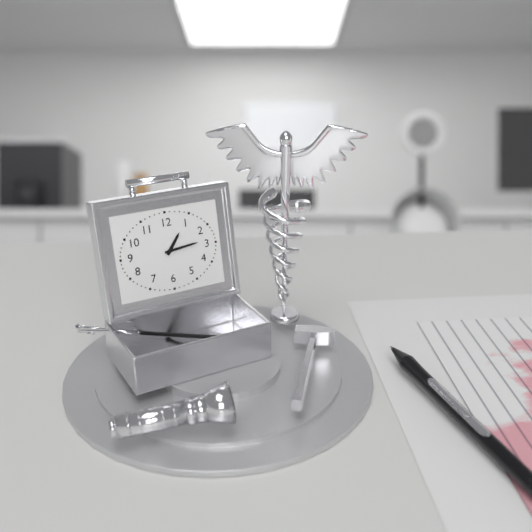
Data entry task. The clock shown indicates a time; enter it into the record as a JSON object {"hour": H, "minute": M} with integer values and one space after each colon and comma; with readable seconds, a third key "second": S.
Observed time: {"hour": 1, "minute": 14}
